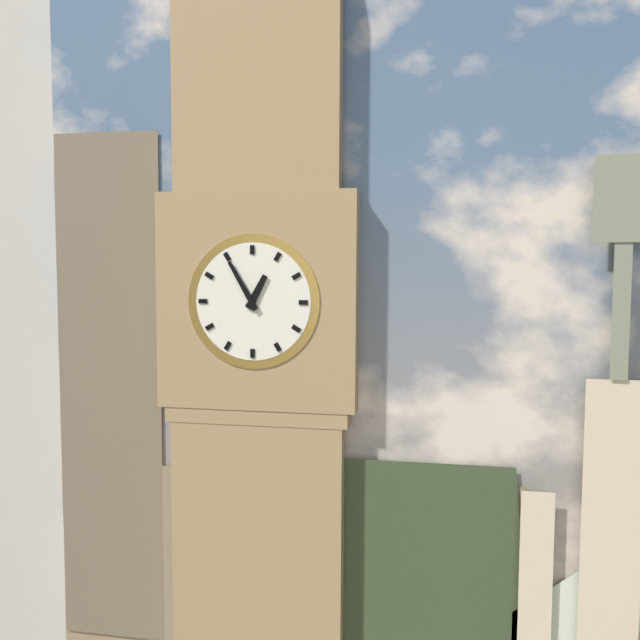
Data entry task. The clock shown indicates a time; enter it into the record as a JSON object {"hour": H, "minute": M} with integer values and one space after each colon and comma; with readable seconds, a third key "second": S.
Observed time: {"hour": 12, "minute": 55}
